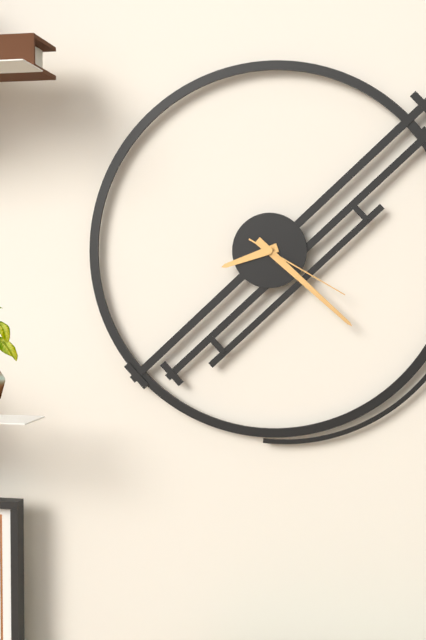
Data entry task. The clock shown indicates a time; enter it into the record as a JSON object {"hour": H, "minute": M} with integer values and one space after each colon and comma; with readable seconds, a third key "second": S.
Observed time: {"hour": 8, "minute": 22, "second": 20}
